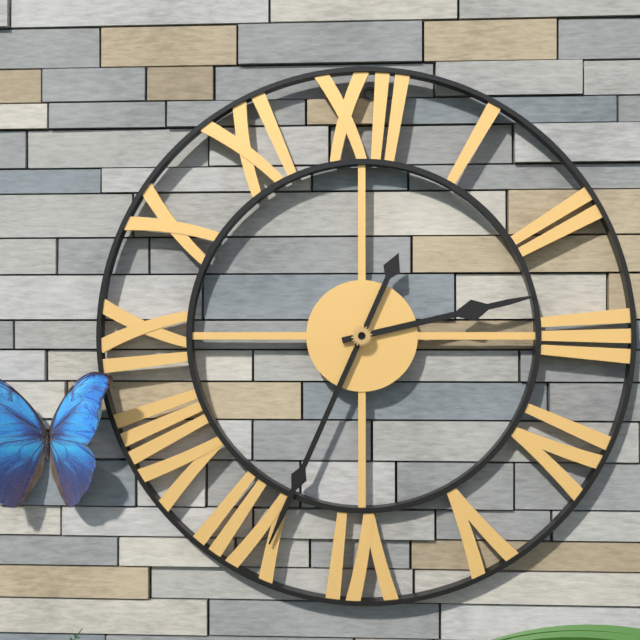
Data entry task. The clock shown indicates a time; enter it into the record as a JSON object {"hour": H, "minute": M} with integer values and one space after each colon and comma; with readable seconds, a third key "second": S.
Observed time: {"hour": 2, "minute": 34}
